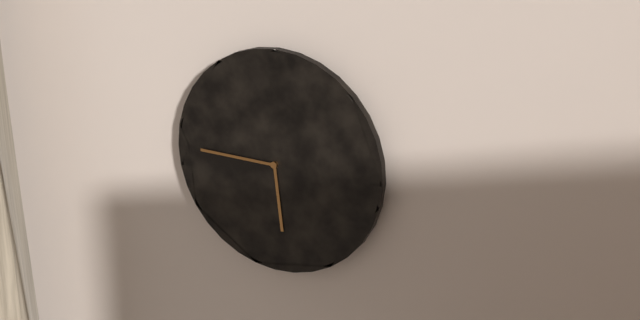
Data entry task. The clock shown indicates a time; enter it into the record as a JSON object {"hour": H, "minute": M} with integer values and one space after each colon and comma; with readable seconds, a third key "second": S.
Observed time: {"hour": 5, "minute": 45}
